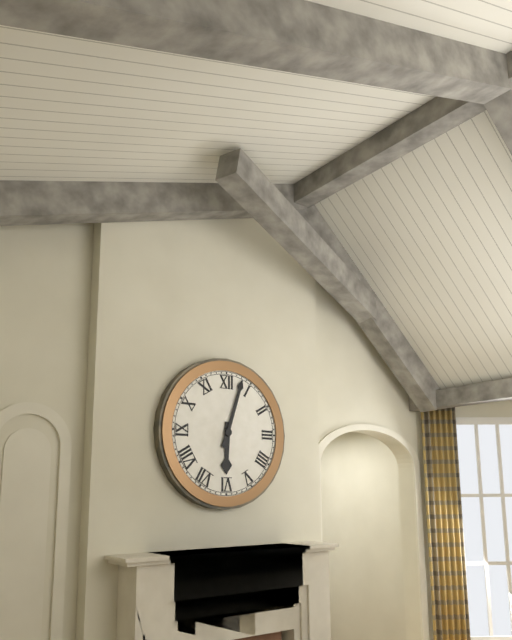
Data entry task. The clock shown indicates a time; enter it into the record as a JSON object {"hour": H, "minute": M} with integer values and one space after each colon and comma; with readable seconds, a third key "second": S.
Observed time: {"hour": 6, "minute": 3}
